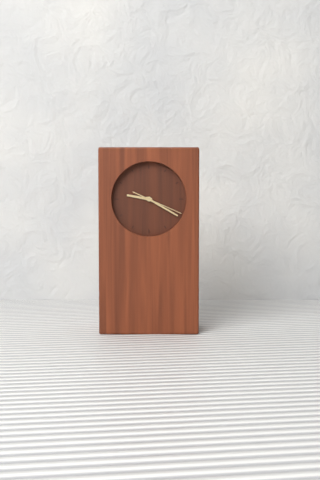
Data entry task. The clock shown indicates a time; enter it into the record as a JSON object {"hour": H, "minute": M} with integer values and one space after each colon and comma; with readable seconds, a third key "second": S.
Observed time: {"hour": 9, "minute": 20}
